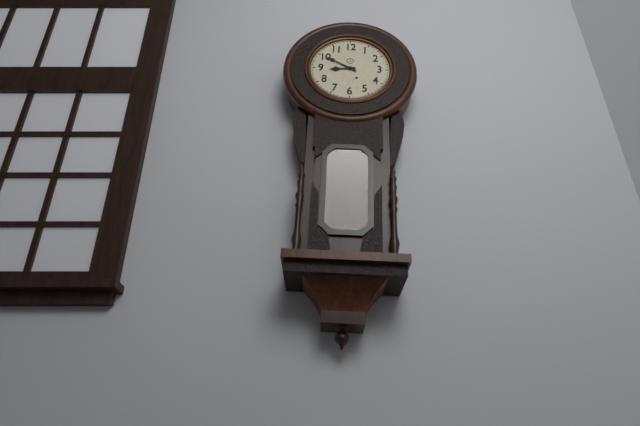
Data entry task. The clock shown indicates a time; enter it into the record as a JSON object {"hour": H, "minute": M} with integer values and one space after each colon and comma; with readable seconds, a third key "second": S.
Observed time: {"hour": 8, "minute": 50}
